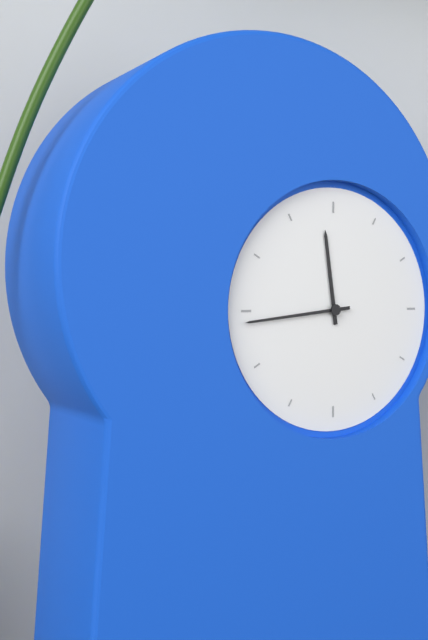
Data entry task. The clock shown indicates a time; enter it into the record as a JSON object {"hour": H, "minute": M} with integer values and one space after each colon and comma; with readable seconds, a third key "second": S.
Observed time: {"hour": 11, "minute": 44}
